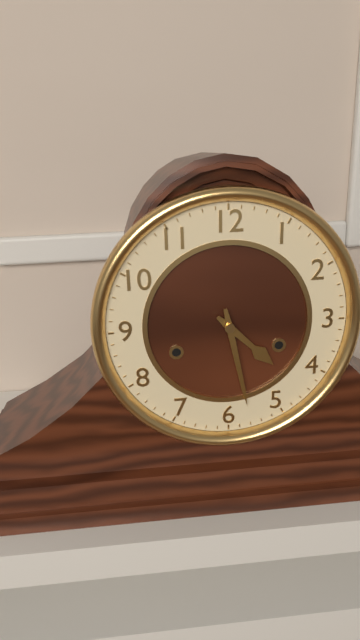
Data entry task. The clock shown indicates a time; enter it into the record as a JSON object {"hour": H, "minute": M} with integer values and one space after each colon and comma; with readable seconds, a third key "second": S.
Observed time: {"hour": 4, "minute": 28}
